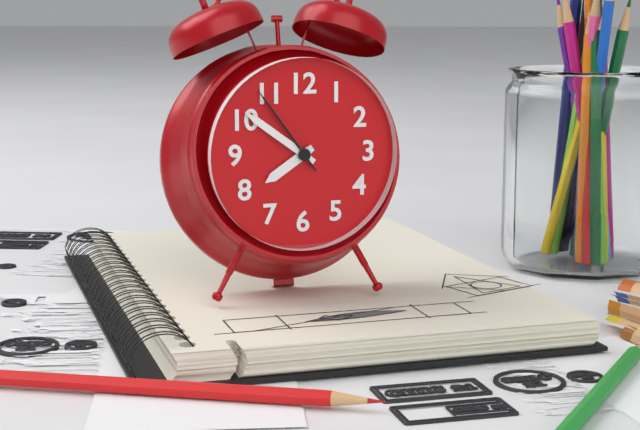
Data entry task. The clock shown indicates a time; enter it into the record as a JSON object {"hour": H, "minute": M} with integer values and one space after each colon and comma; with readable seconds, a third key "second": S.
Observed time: {"hour": 7, "minute": 51, "second": 54}
